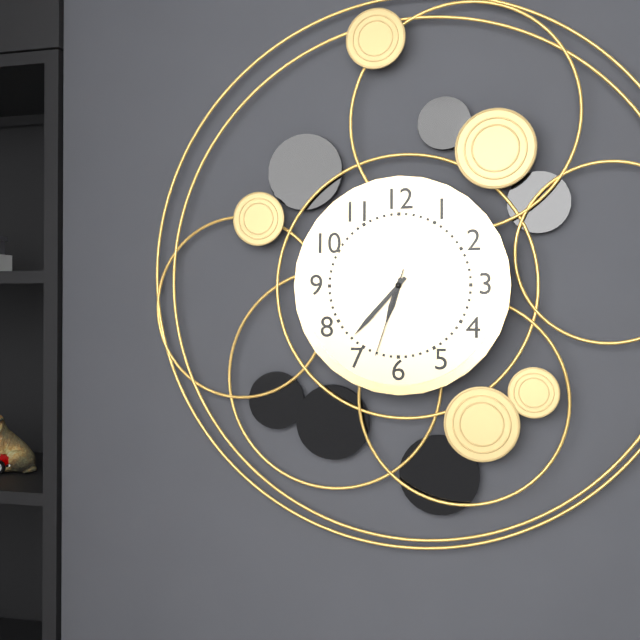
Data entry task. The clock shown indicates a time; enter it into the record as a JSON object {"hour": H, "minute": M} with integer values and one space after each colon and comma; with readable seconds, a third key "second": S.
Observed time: {"hour": 6, "minute": 37, "second": 33}
